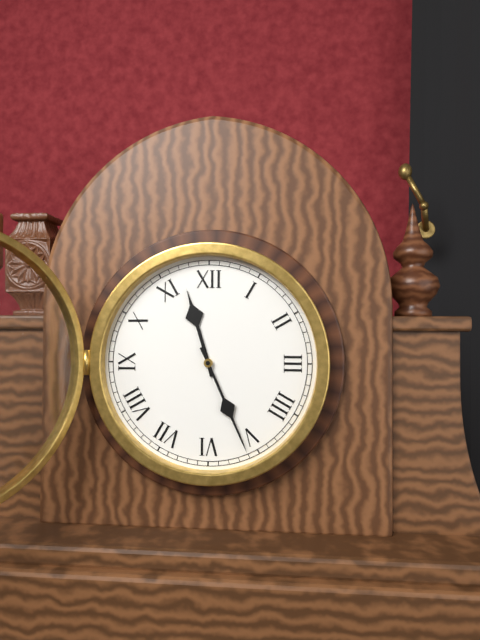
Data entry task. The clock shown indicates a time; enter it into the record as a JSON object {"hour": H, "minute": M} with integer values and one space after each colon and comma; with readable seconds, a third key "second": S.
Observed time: {"hour": 11, "minute": 26}
